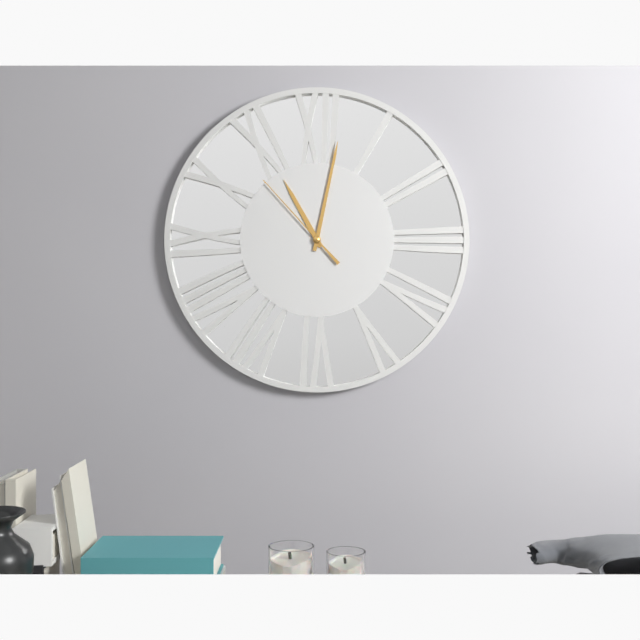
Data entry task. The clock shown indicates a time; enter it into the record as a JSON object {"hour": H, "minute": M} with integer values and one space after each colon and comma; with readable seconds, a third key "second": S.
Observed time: {"hour": 11, "minute": 2, "second": 53}
